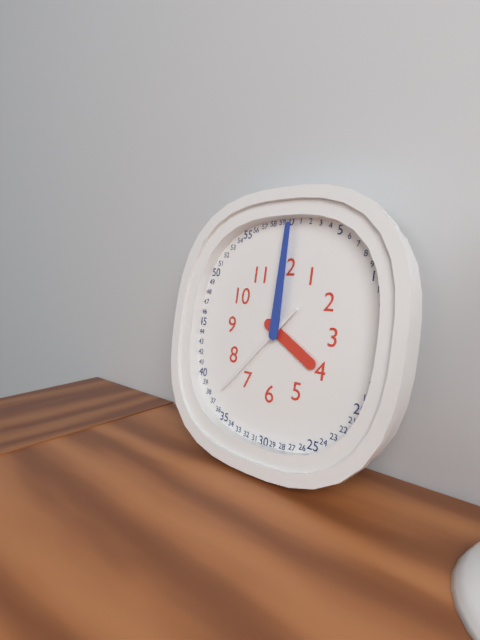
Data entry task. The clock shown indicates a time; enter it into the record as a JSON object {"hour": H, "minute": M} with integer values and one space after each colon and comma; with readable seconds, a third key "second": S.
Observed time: {"hour": 4, "minute": 0, "second": 37}
